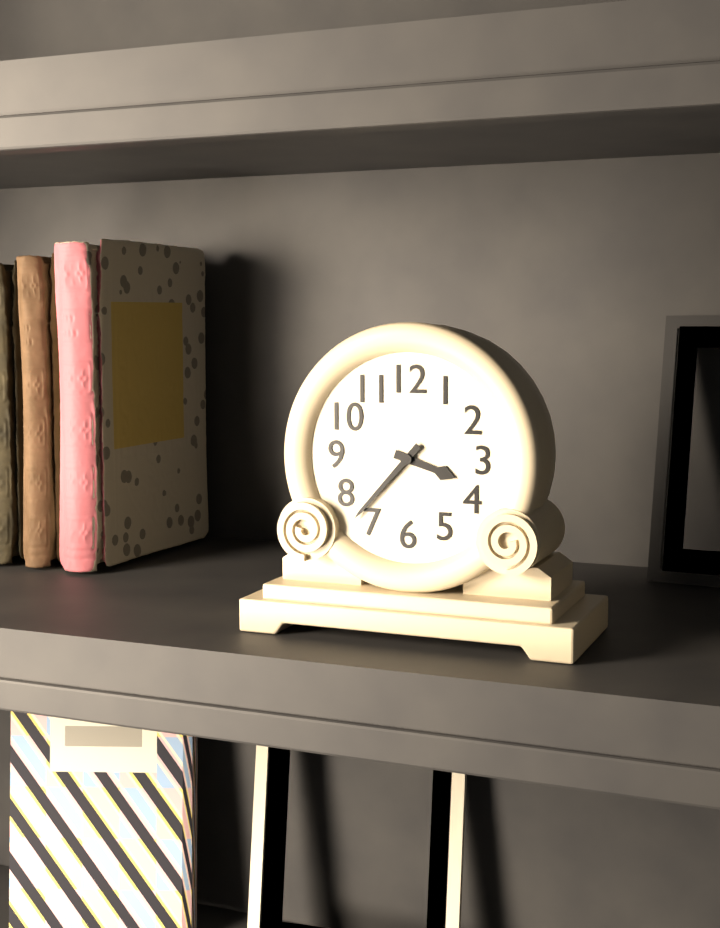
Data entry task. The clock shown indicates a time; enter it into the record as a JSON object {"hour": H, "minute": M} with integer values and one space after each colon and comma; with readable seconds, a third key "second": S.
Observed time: {"hour": 3, "minute": 37}
